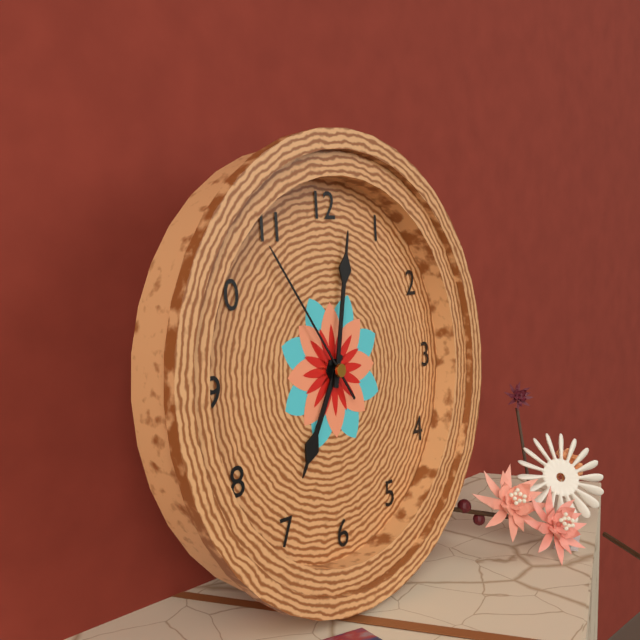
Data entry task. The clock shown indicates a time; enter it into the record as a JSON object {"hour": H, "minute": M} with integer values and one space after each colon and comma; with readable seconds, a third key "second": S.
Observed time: {"hour": 7, "minute": 2, "second": 54}
